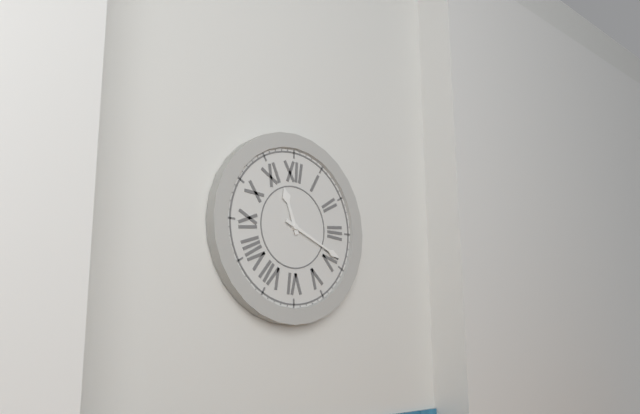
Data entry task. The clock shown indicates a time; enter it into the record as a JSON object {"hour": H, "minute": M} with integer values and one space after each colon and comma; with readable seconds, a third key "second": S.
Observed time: {"hour": 11, "minute": 19}
